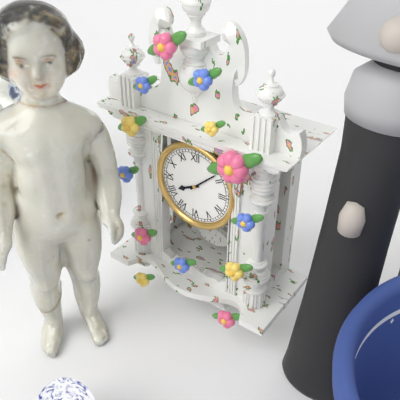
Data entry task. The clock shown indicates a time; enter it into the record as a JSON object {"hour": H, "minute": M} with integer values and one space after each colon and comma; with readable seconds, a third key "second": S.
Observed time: {"hour": 8, "minute": 8}
